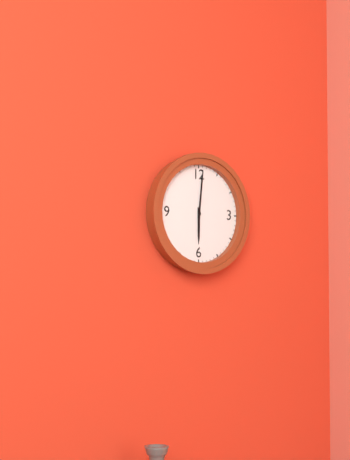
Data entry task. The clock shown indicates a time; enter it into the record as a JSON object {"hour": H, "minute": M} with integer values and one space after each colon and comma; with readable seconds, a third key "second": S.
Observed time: {"hour": 6, "minute": 1}
